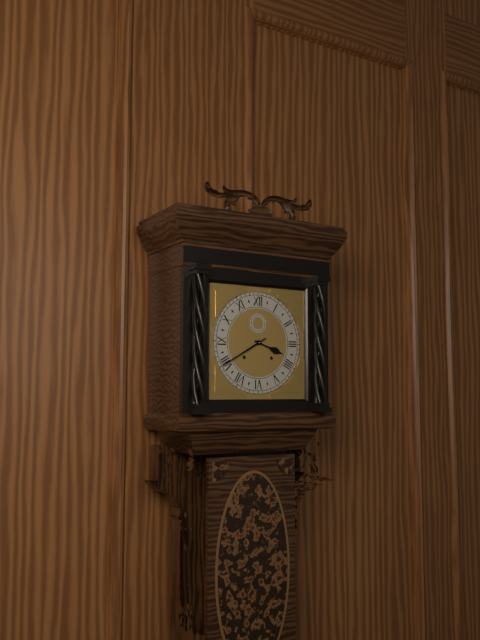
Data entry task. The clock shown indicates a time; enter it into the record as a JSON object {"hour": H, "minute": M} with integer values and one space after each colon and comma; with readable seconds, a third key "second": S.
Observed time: {"hour": 3, "minute": 40}
